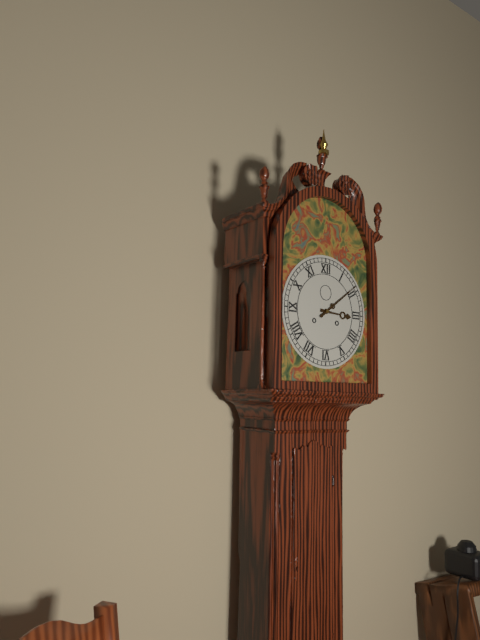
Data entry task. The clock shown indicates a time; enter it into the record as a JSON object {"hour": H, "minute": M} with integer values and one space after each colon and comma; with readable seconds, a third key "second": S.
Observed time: {"hour": 3, "minute": 9}
